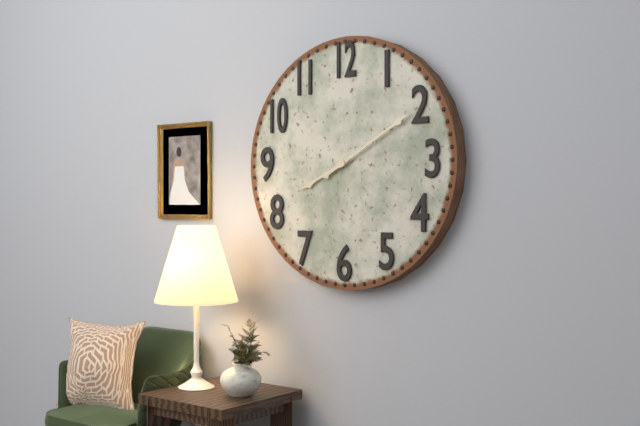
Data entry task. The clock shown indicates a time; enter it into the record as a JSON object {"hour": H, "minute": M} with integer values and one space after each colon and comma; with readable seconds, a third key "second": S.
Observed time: {"hour": 8, "minute": 10}
